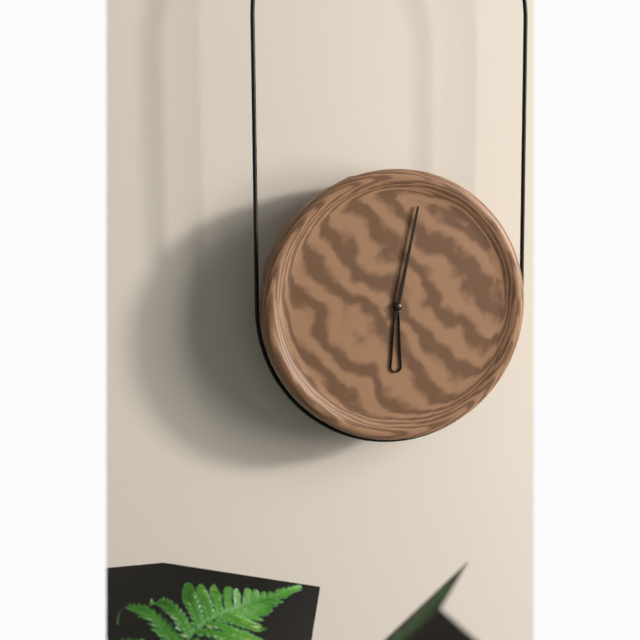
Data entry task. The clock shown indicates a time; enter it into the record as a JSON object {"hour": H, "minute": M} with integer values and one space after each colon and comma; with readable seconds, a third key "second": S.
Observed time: {"hour": 6, "minute": 2}
